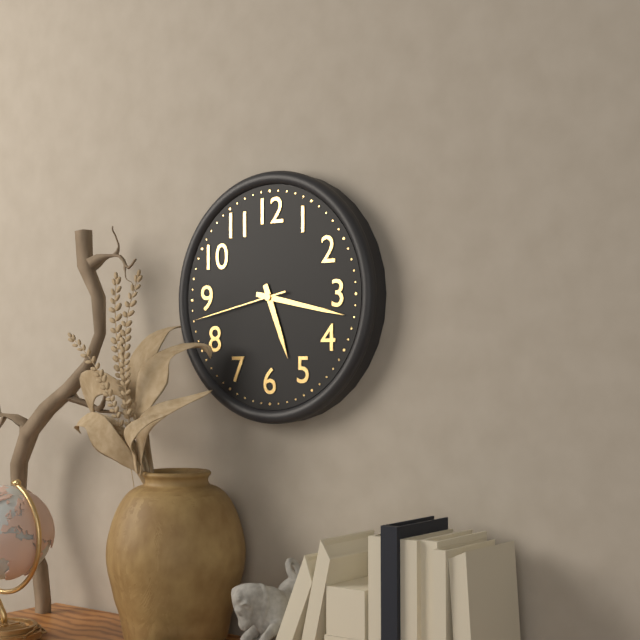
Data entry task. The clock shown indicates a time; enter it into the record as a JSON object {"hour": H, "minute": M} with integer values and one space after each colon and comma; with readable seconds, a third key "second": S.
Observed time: {"hour": 5, "minute": 17, "second": 43}
